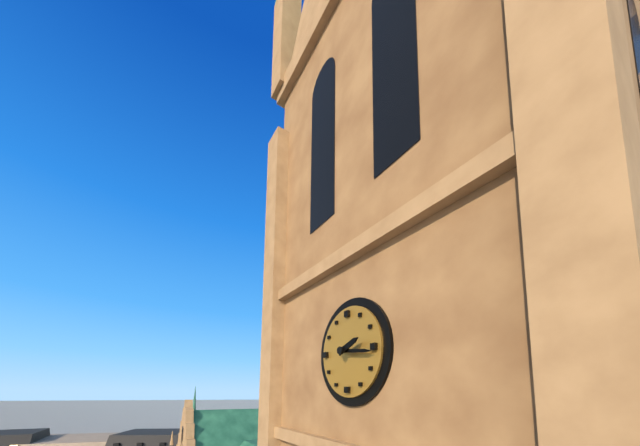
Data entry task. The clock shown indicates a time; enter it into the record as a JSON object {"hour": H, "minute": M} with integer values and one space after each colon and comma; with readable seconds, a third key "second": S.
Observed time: {"hour": 2, "minute": 16}
